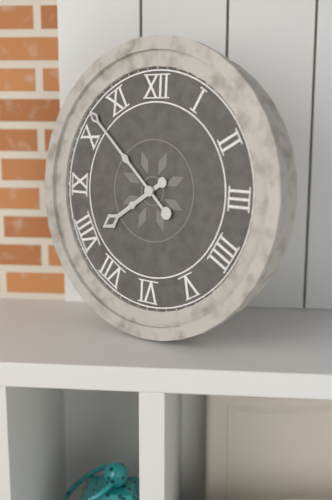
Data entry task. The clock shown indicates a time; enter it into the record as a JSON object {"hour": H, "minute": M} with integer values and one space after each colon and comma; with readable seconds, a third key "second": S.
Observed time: {"hour": 7, "minute": 52}
